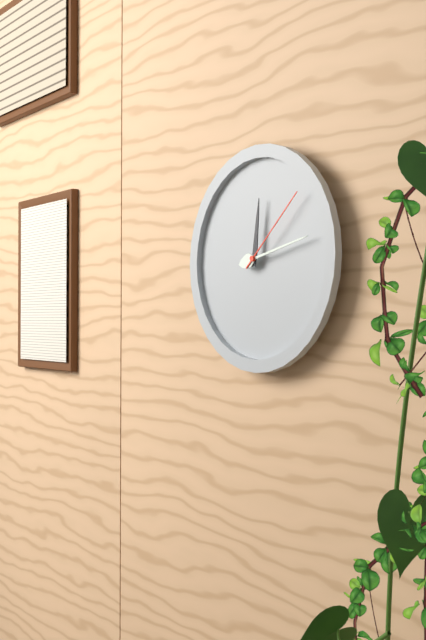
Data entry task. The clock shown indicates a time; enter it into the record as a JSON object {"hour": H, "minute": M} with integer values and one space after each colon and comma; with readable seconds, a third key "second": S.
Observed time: {"hour": 12, "minute": 13, "second": 8}
